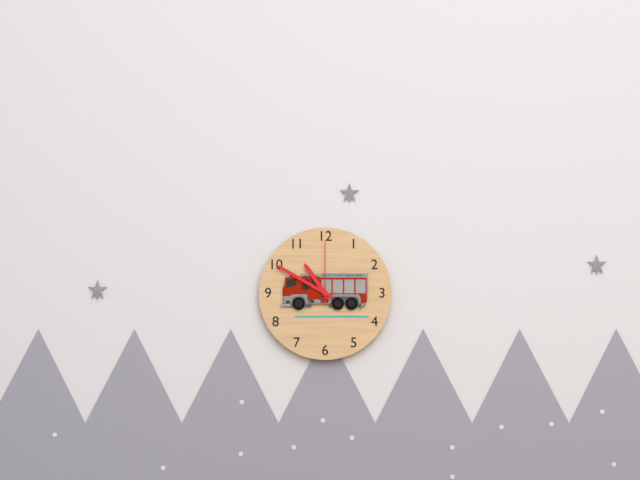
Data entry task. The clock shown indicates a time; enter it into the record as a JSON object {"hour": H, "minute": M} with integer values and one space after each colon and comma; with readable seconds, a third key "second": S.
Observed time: {"hour": 10, "minute": 50, "second": 0}
